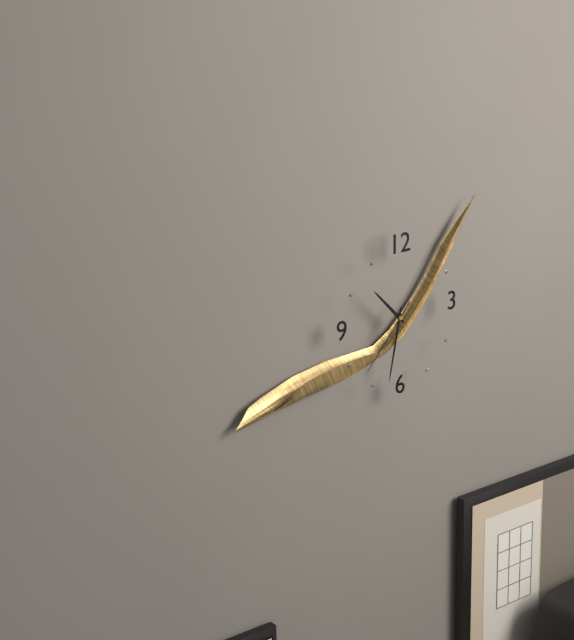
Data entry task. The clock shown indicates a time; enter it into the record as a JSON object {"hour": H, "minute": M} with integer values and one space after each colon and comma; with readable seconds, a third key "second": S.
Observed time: {"hour": 10, "minute": 32, "second": 37}
